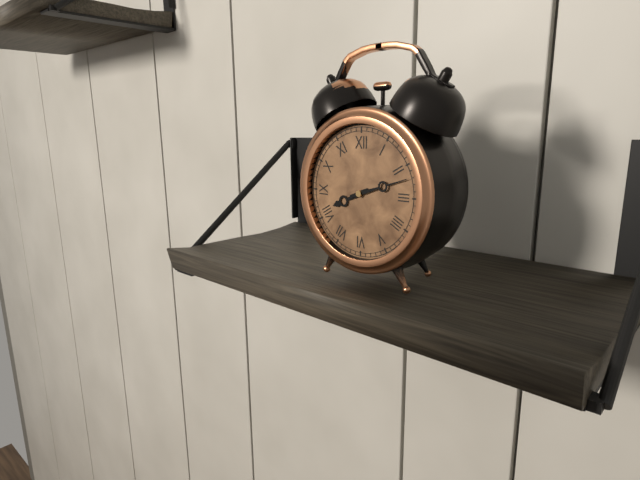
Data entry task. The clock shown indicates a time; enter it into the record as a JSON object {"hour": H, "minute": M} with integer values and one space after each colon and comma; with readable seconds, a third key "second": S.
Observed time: {"hour": 8, "minute": 12}
